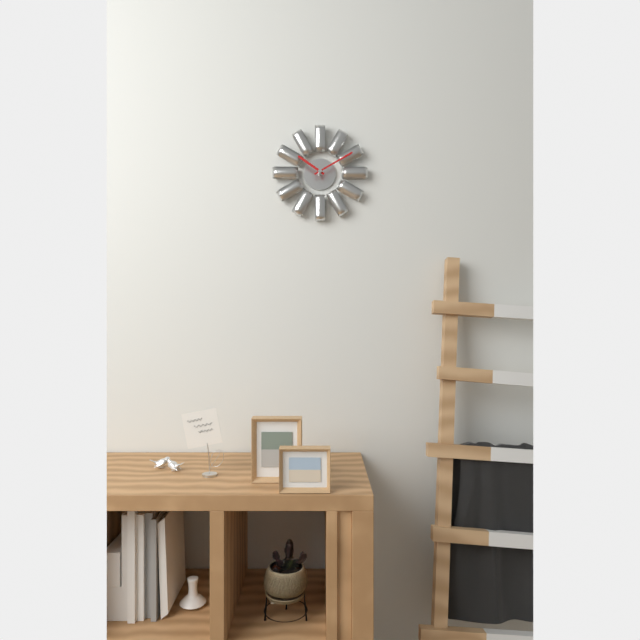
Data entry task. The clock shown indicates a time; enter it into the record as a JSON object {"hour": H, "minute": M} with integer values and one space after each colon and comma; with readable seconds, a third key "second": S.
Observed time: {"hour": 10, "minute": 10}
